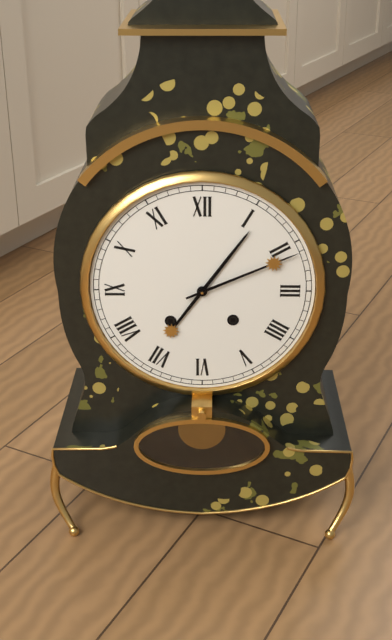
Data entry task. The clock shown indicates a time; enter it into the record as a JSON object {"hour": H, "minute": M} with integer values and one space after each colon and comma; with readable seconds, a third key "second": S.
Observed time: {"hour": 1, "minute": 11}
